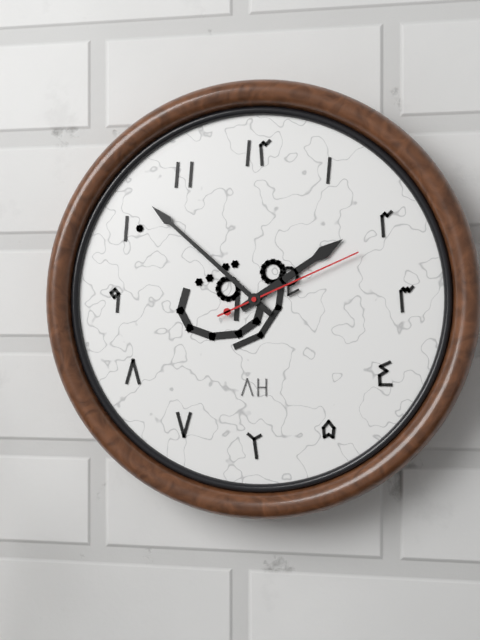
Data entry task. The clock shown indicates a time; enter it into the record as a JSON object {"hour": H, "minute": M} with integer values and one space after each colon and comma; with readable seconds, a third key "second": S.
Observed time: {"hour": 1, "minute": 52, "second": 11}
